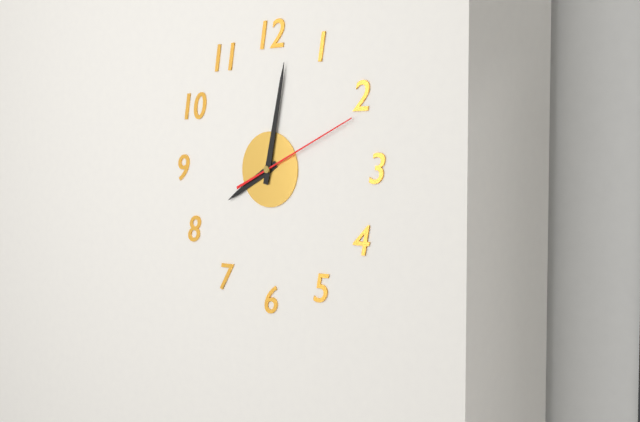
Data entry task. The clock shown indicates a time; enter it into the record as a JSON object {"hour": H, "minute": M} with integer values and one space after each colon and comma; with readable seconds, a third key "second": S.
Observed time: {"hour": 8, "minute": 2, "second": 11}
